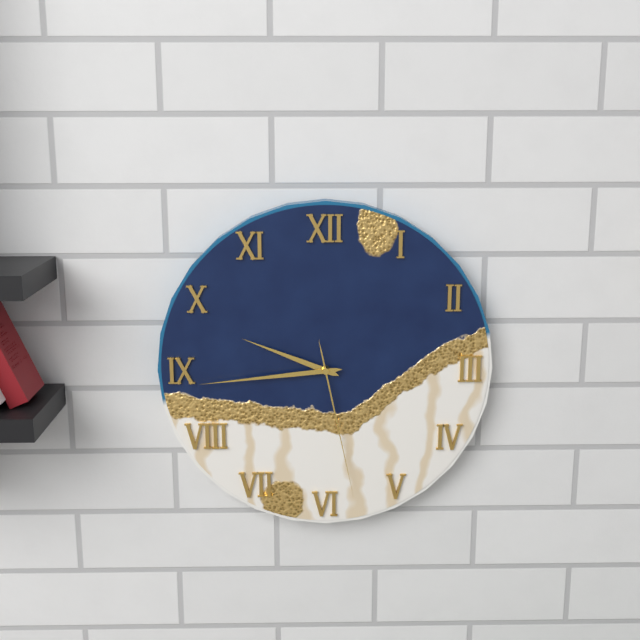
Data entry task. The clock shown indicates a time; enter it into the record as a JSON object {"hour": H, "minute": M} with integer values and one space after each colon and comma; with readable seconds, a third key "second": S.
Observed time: {"hour": 9, "minute": 44, "second": 28}
